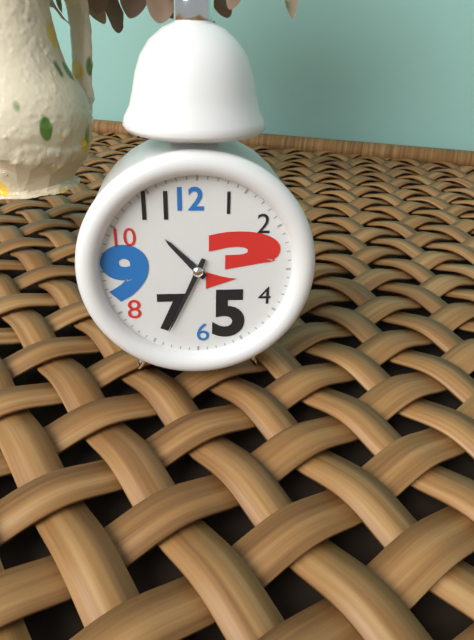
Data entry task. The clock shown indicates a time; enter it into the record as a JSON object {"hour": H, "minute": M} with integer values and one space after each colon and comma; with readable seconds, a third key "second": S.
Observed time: {"hour": 10, "minute": 34}
